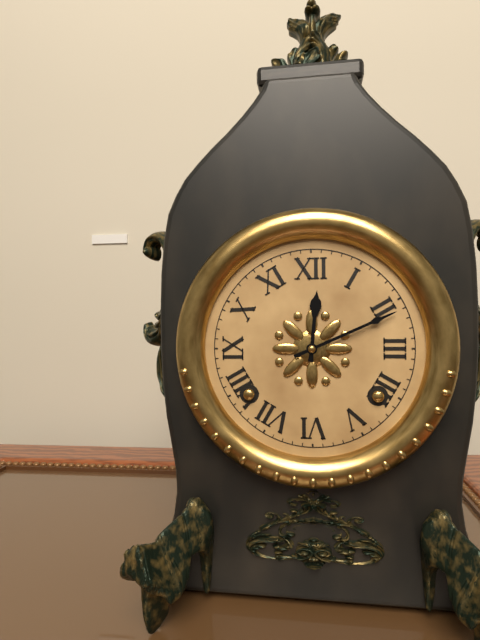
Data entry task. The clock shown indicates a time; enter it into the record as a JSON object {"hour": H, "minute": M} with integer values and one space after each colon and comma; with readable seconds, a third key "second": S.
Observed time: {"hour": 12, "minute": 11}
